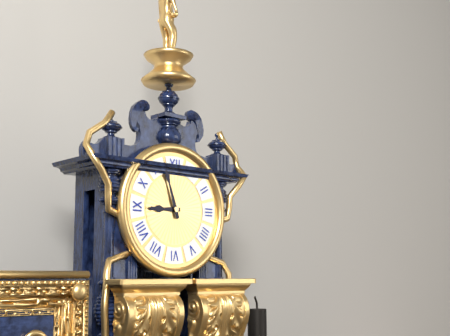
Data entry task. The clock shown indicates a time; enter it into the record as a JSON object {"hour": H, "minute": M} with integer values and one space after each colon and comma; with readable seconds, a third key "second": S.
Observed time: {"hour": 8, "minute": 57}
